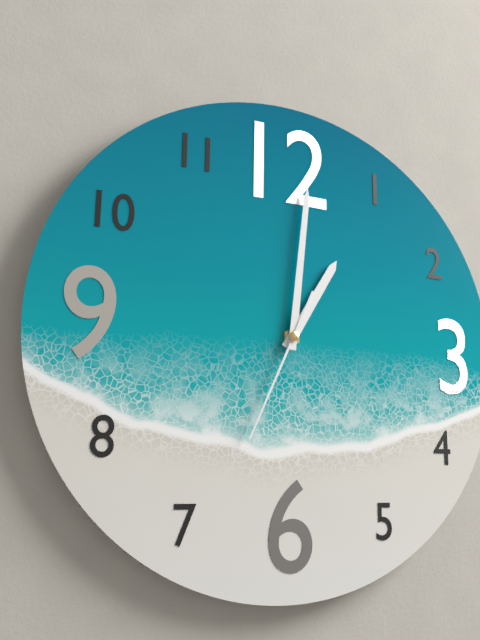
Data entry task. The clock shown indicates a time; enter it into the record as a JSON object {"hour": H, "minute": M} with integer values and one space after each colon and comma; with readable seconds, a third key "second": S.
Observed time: {"hour": 1, "minute": 1, "second": 34}
